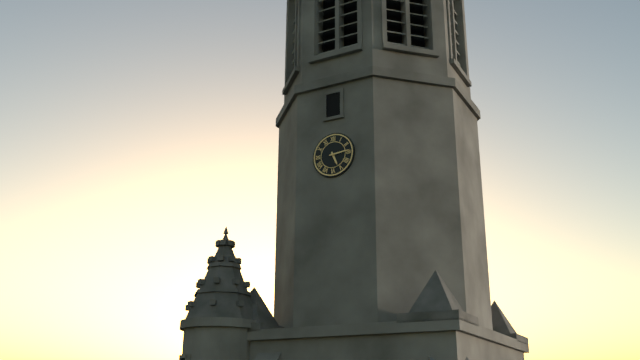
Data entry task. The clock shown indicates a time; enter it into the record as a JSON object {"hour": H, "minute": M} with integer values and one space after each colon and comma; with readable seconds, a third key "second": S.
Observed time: {"hour": 5, "minute": 14}
